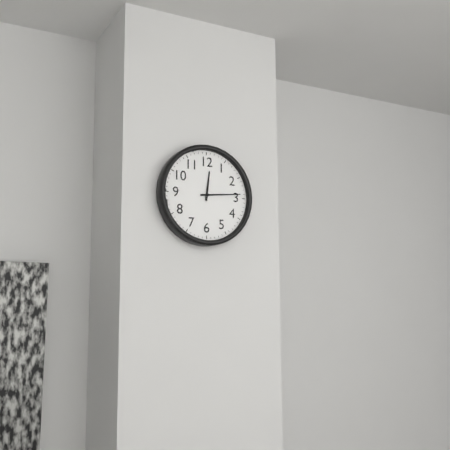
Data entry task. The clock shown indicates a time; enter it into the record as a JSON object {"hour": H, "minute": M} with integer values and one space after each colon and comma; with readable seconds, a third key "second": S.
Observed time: {"hour": 12, "minute": 14}
